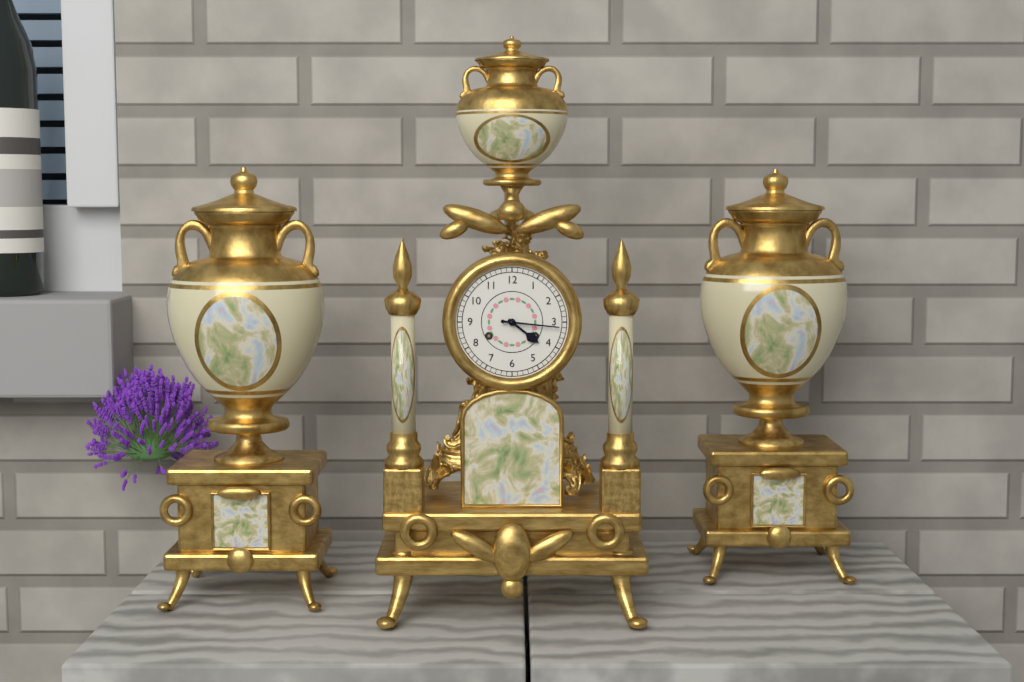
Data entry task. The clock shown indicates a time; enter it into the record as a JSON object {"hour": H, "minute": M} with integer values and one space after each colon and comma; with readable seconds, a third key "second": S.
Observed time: {"hour": 4, "minute": 16}
